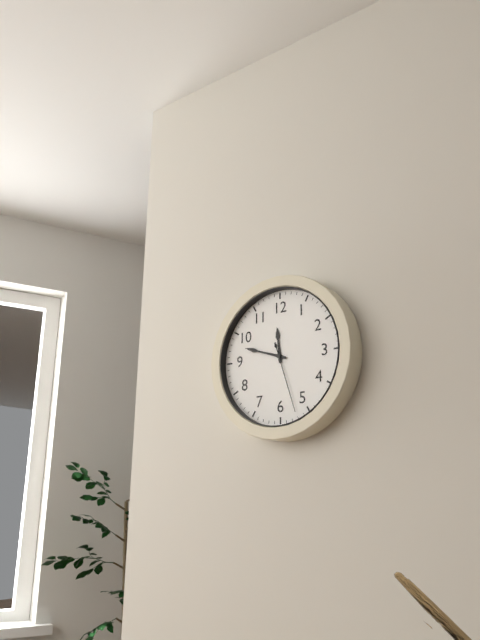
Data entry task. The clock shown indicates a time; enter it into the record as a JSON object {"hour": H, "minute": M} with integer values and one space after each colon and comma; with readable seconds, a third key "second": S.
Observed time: {"hour": 11, "minute": 48, "second": 27}
